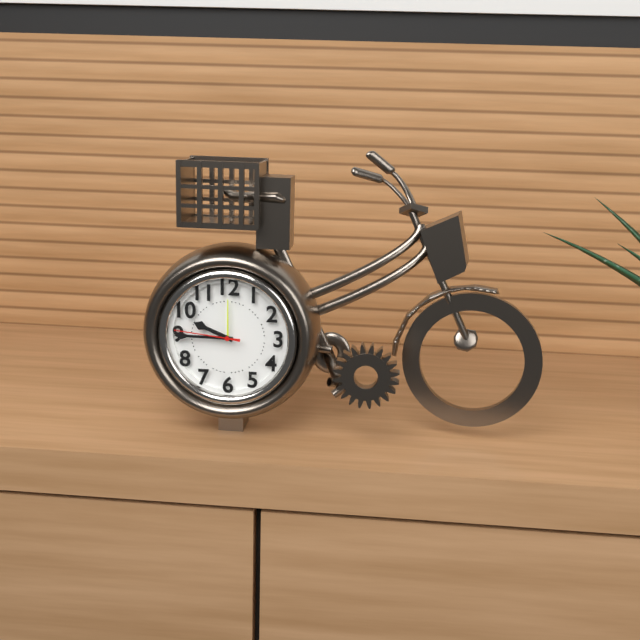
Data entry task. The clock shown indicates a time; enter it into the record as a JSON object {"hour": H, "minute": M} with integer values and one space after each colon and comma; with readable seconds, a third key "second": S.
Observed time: {"hour": 9, "minute": 45, "second": 46}
